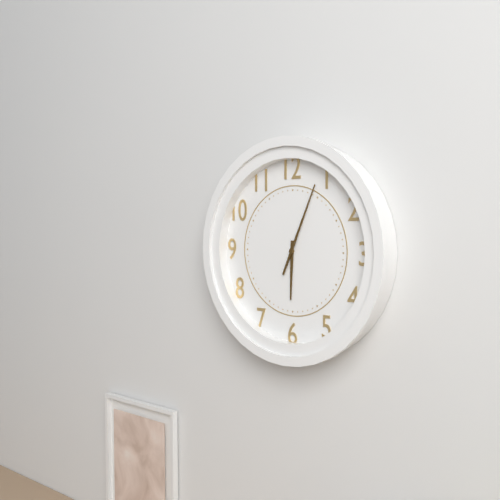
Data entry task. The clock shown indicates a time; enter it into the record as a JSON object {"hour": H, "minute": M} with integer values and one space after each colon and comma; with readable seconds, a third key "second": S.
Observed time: {"hour": 6, "minute": 4}
